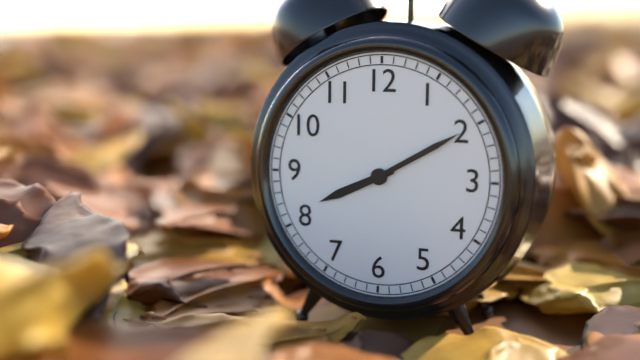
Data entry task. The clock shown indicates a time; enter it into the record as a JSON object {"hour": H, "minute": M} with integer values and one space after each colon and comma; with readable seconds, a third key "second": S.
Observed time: {"hour": 8, "minute": 10}
